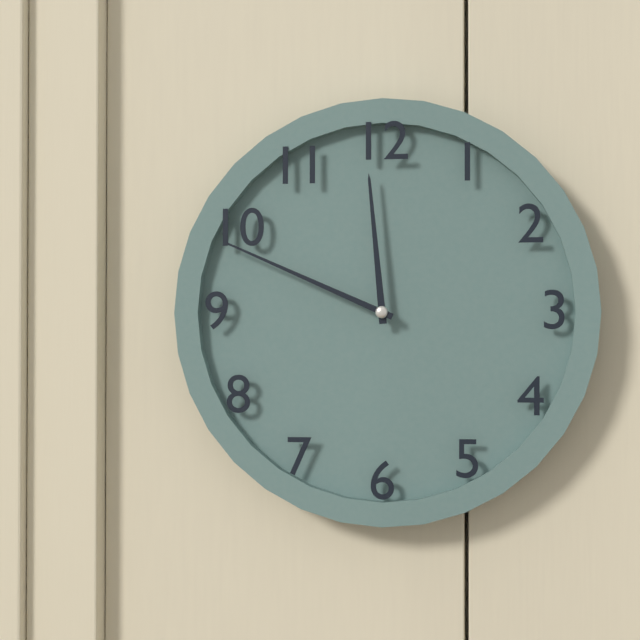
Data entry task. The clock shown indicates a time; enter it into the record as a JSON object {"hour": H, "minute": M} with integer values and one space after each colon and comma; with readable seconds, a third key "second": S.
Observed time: {"hour": 11, "minute": 49}
